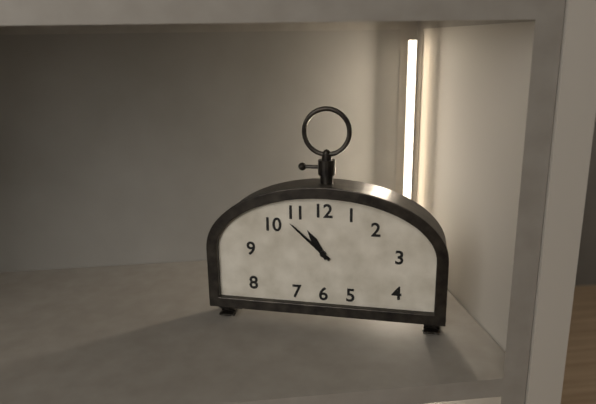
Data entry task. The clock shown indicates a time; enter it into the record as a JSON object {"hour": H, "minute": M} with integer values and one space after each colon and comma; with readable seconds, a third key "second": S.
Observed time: {"hour": 10, "minute": 52}
